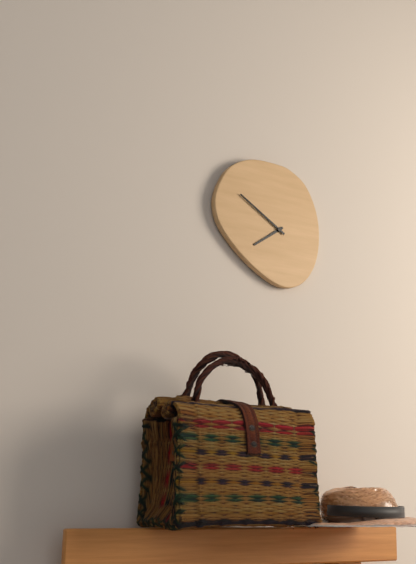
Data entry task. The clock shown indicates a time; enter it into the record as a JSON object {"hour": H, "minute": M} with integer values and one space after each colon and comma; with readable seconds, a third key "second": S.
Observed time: {"hour": 7, "minute": 50}
